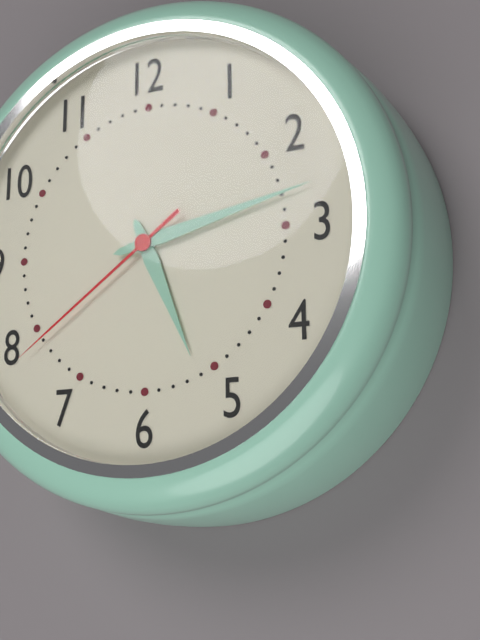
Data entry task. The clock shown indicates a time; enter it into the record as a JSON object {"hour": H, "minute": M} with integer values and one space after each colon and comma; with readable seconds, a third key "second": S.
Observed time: {"hour": 5, "minute": 13, "second": 39}
